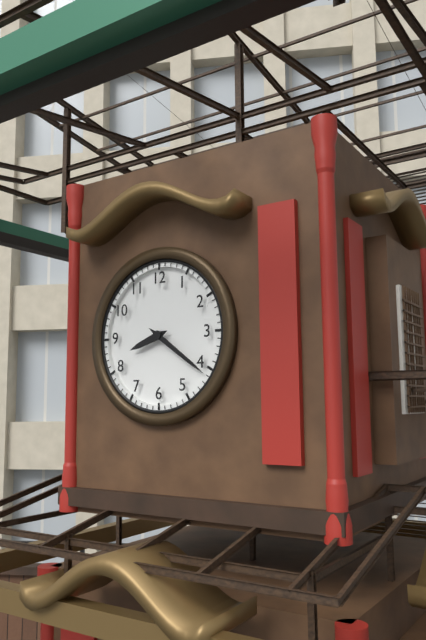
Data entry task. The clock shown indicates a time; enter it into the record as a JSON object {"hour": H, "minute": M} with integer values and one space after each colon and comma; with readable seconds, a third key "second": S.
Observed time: {"hour": 8, "minute": 21}
